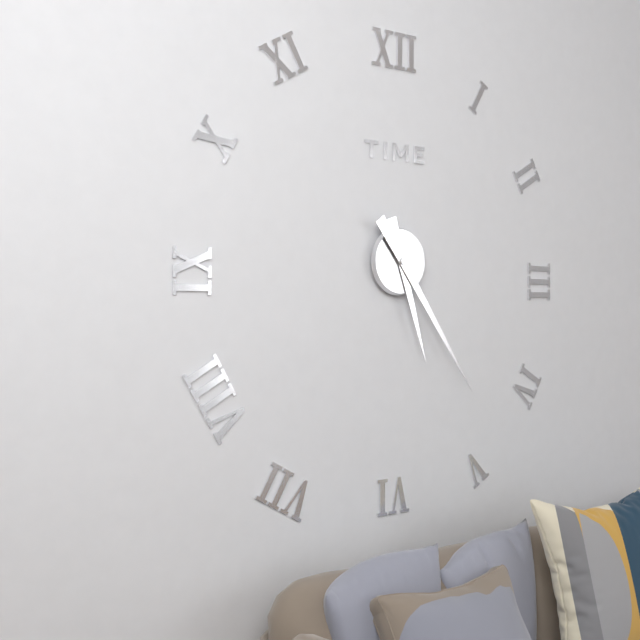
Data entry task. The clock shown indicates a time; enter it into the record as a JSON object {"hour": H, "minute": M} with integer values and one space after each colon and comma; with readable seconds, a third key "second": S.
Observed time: {"hour": 5, "minute": 24}
